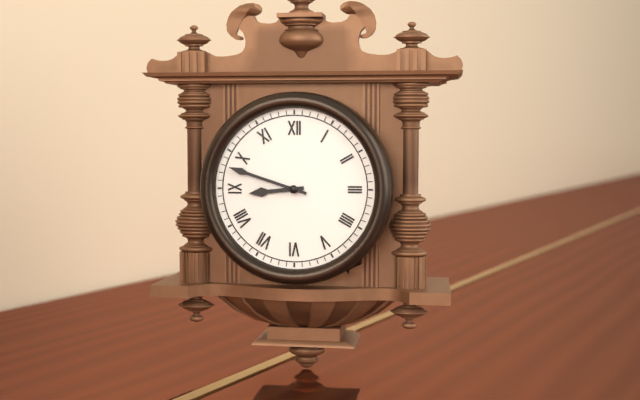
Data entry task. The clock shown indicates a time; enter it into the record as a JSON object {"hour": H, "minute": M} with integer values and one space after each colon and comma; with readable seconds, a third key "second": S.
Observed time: {"hour": 8, "minute": 48}
